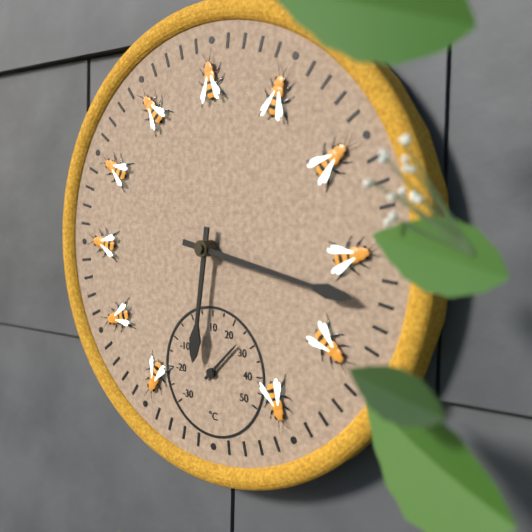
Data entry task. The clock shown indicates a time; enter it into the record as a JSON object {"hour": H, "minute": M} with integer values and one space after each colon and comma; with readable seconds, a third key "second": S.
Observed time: {"hour": 6, "minute": 17}
